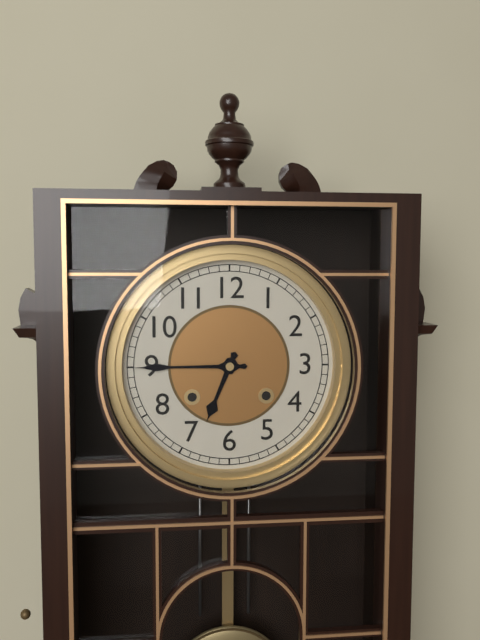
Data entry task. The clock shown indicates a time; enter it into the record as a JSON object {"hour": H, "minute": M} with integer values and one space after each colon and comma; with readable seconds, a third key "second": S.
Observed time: {"hour": 6, "minute": 45}
